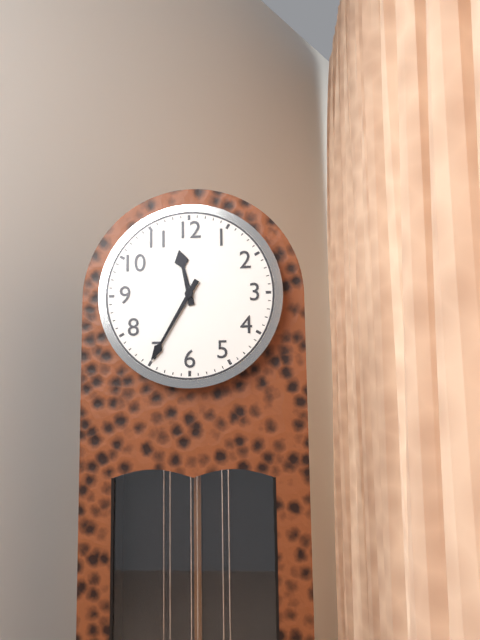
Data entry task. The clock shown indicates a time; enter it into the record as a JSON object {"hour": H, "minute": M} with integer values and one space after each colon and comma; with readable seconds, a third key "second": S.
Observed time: {"hour": 11, "minute": 35}
